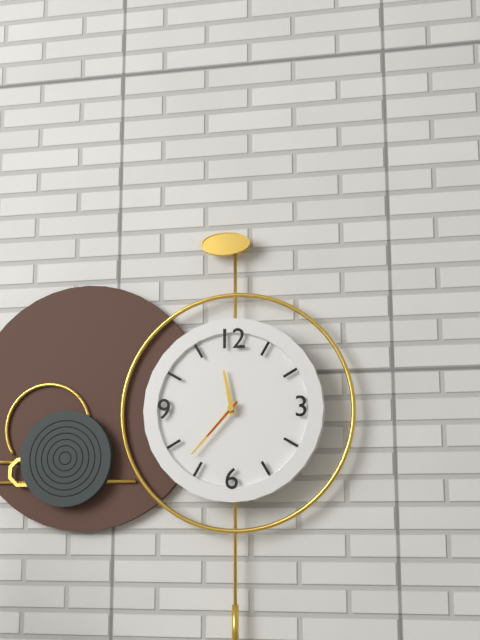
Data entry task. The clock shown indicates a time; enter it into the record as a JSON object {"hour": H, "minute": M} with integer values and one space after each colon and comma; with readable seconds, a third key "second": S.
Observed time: {"hour": 11, "minute": 37}
